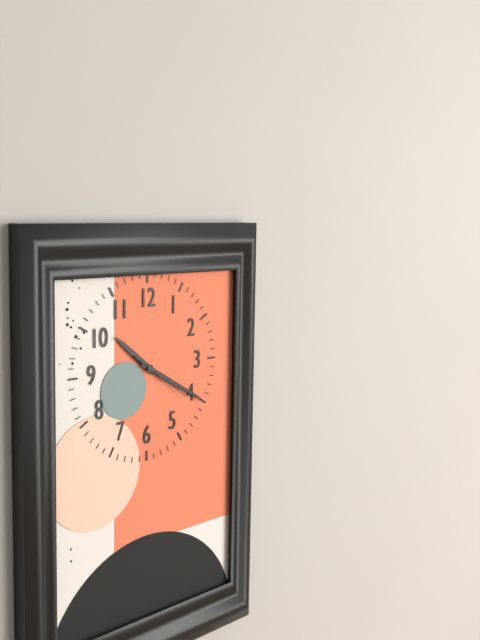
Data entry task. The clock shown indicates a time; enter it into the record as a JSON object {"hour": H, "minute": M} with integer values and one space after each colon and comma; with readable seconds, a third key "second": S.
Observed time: {"hour": 10, "minute": 20, "second": 21}
